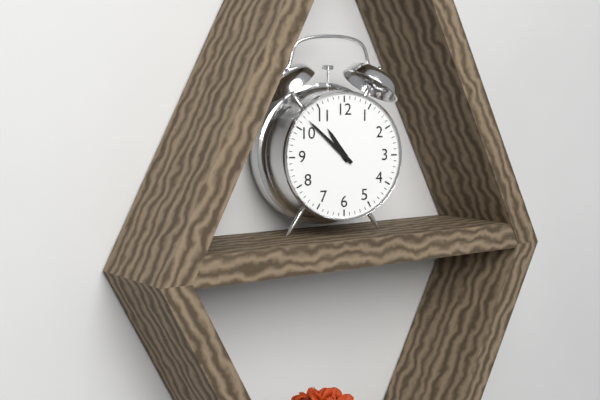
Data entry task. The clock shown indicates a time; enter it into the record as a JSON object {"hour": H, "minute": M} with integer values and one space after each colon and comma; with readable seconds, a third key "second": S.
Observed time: {"hour": 10, "minute": 52}
